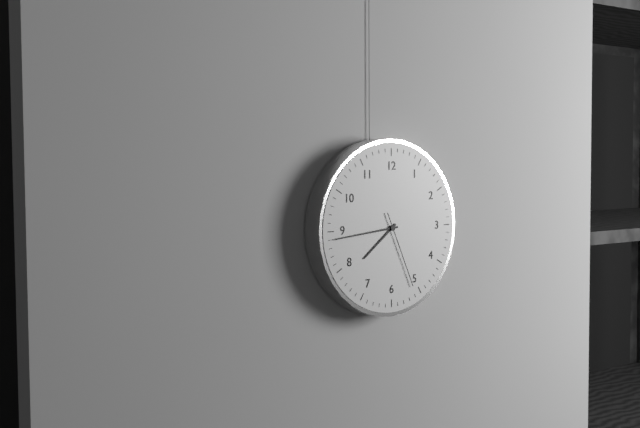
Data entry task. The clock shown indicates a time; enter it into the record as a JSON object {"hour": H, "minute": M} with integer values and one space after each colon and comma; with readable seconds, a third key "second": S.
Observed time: {"hour": 7, "minute": 44, "second": 26}
